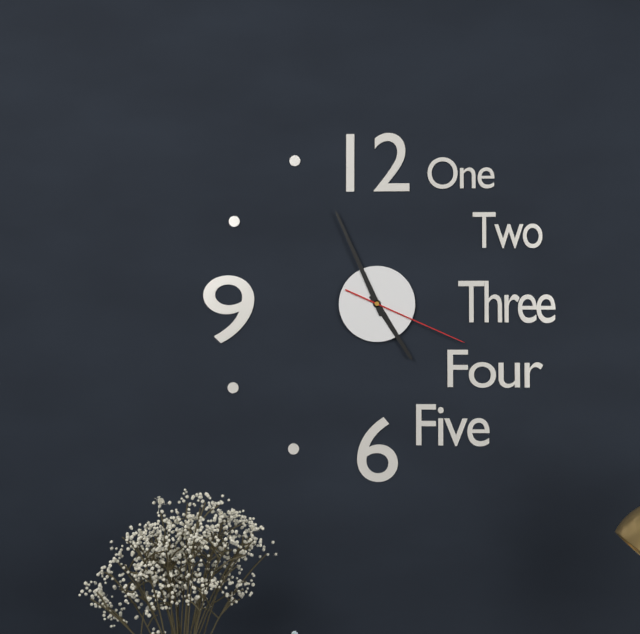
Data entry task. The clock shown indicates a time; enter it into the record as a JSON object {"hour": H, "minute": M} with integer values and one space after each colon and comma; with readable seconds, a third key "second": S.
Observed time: {"hour": 4, "minute": 56, "second": 19}
